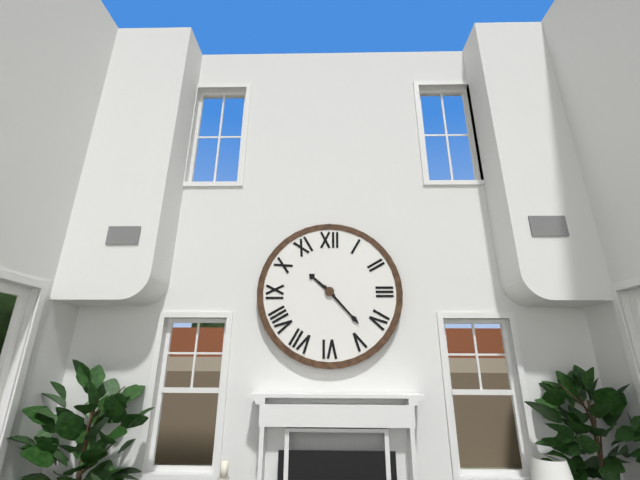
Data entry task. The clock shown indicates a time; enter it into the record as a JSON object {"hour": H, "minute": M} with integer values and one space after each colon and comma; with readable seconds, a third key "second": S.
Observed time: {"hour": 10, "minute": 23}
